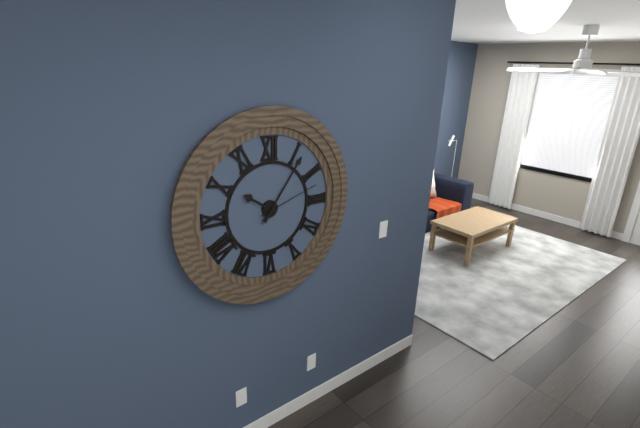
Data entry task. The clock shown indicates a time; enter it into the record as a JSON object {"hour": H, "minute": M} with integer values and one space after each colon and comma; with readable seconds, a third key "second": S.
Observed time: {"hour": 10, "minute": 6, "second": 12}
